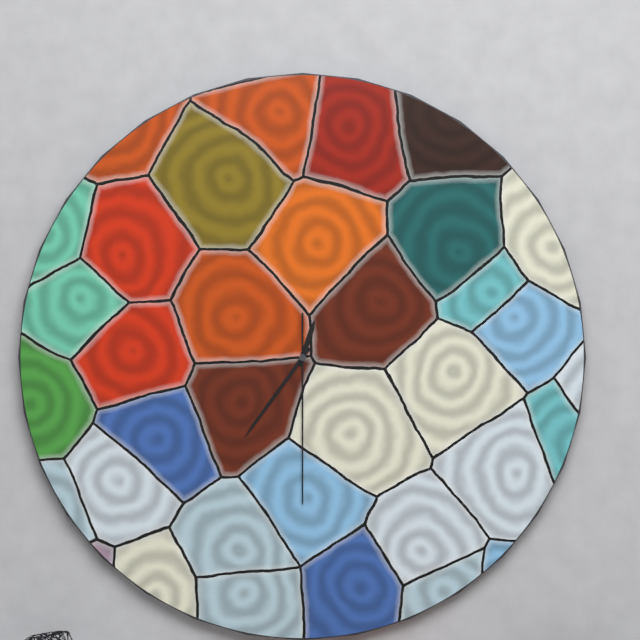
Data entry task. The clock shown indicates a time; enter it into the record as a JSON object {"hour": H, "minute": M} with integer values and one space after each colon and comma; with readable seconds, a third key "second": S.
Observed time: {"hour": 12, "minute": 36, "second": 30}
